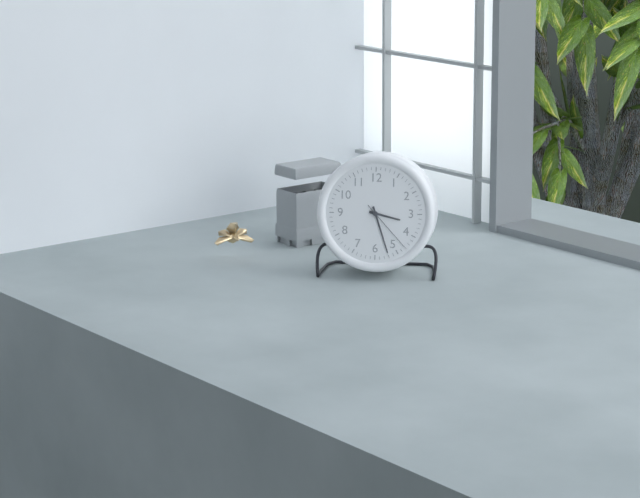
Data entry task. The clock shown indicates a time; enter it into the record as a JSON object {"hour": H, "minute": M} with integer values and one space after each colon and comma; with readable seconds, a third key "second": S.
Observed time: {"hour": 3, "minute": 27, "second": 23}
